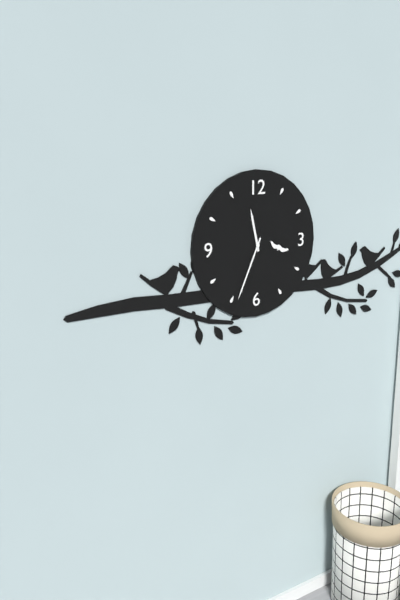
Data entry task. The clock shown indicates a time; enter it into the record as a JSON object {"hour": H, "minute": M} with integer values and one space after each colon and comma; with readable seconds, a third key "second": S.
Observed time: {"hour": 11, "minute": 34}
